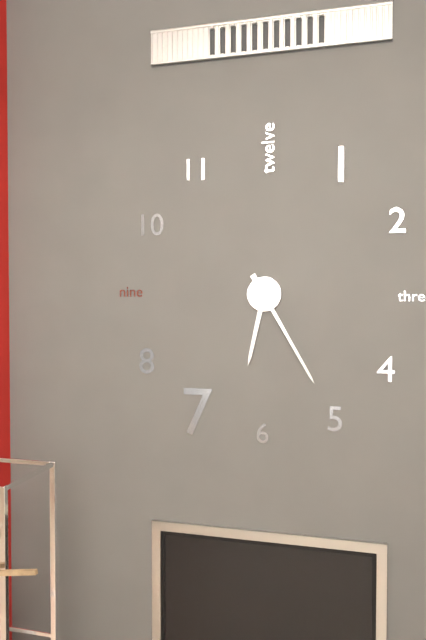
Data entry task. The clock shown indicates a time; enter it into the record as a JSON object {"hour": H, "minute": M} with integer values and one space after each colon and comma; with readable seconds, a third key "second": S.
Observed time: {"hour": 6, "minute": 25}
